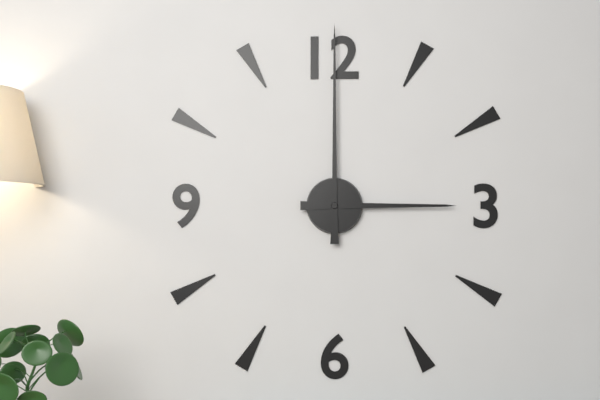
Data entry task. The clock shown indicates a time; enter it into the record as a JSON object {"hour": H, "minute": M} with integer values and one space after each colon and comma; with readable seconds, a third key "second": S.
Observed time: {"hour": 3, "minute": 0}
